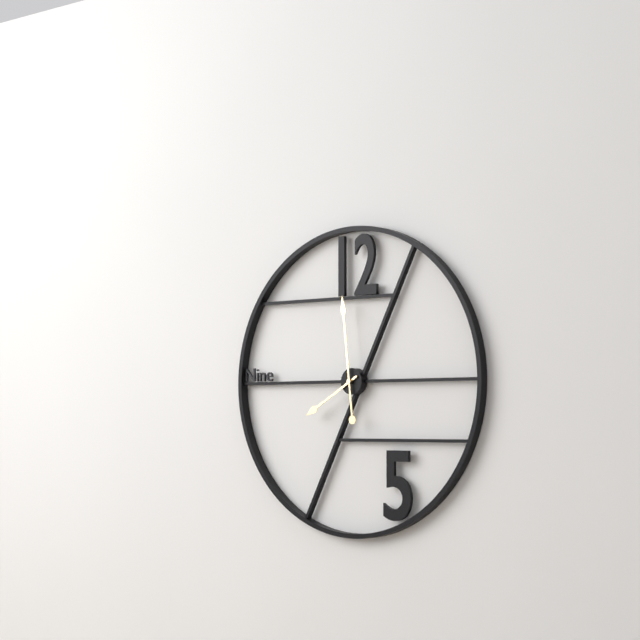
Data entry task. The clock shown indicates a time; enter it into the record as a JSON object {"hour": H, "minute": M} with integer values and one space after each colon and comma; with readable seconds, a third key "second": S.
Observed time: {"hour": 7, "minute": 59}
